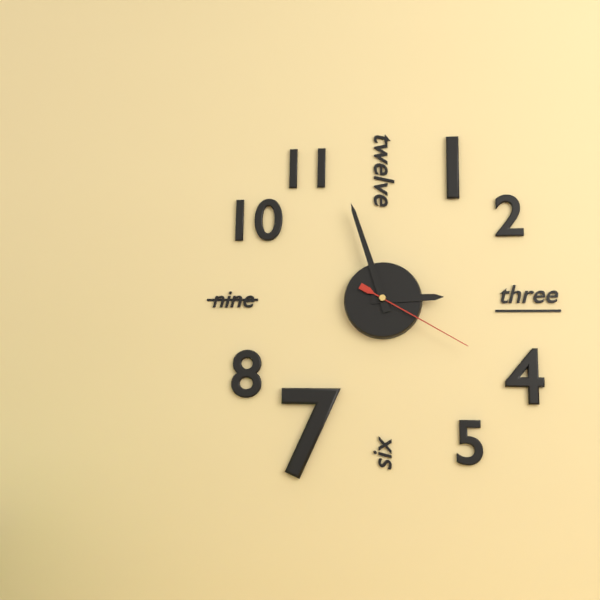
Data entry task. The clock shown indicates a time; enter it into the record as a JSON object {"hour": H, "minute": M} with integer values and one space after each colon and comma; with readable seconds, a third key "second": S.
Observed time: {"hour": 2, "minute": 57, "second": 20}
